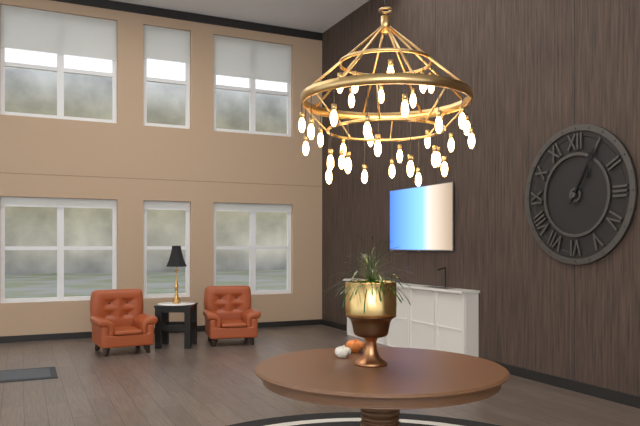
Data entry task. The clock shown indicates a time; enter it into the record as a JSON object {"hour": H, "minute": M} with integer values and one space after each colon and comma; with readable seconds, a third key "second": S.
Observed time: {"hour": 1, "minute": 5}
